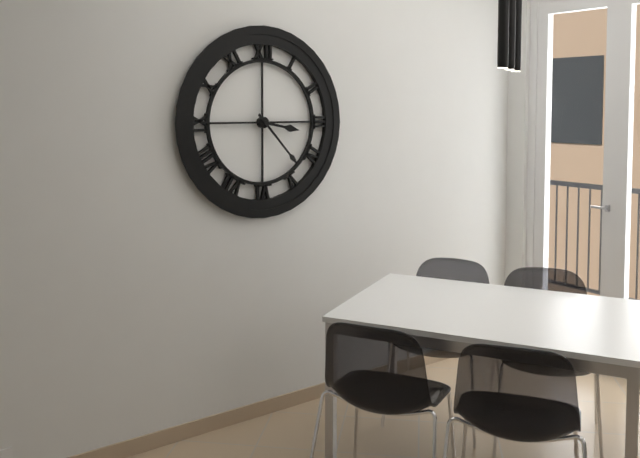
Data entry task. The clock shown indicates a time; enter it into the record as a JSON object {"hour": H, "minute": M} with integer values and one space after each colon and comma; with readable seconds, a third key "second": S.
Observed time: {"hour": 3, "minute": 23}
